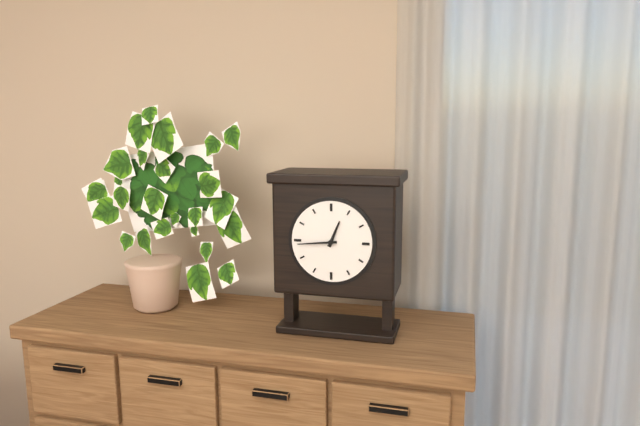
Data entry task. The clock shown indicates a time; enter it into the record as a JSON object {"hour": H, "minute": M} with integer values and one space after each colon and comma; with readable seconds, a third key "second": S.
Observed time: {"hour": 12, "minute": 44}
